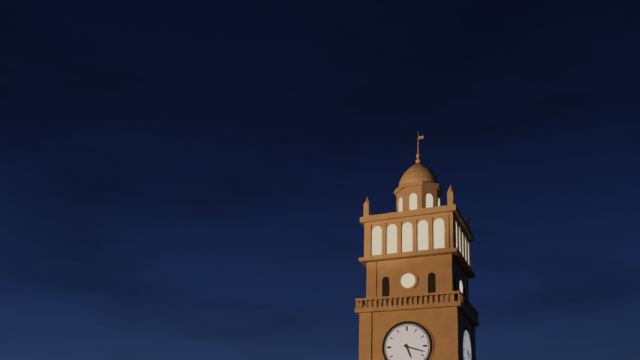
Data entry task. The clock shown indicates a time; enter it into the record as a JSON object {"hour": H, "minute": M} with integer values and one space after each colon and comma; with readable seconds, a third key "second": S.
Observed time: {"hour": 5, "minute": 18}
